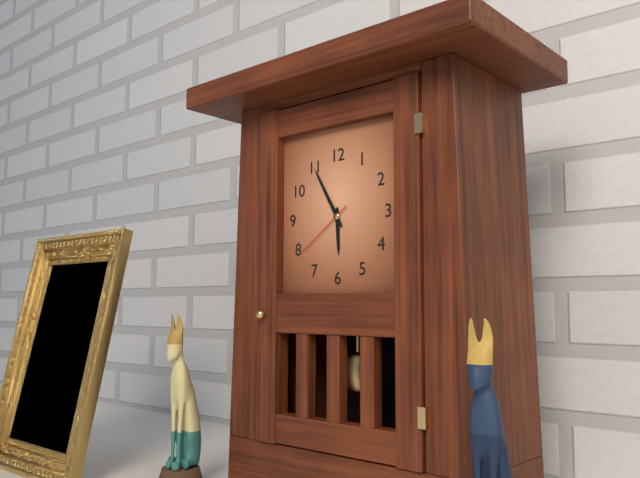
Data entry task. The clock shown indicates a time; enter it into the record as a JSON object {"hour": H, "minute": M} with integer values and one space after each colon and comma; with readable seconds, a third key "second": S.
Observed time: {"hour": 5, "minute": 55, "second": 39}
